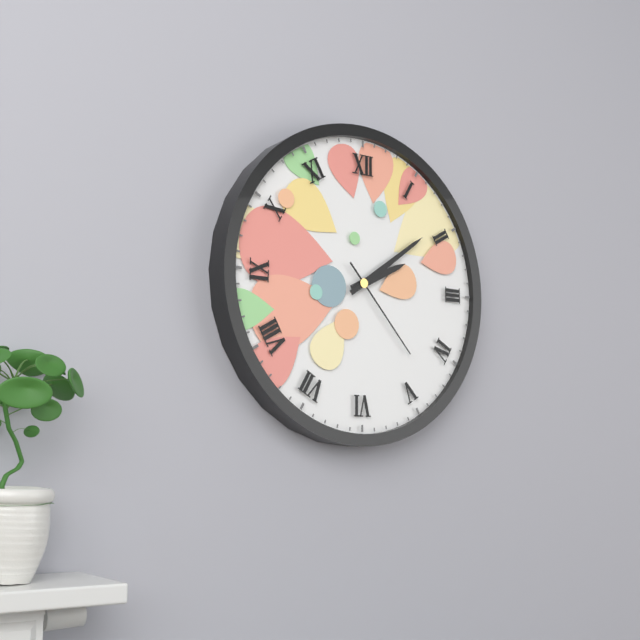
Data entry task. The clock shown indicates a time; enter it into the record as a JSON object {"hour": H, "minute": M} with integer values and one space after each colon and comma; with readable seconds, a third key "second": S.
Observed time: {"hour": 2, "minute": 9, "second": 23}
